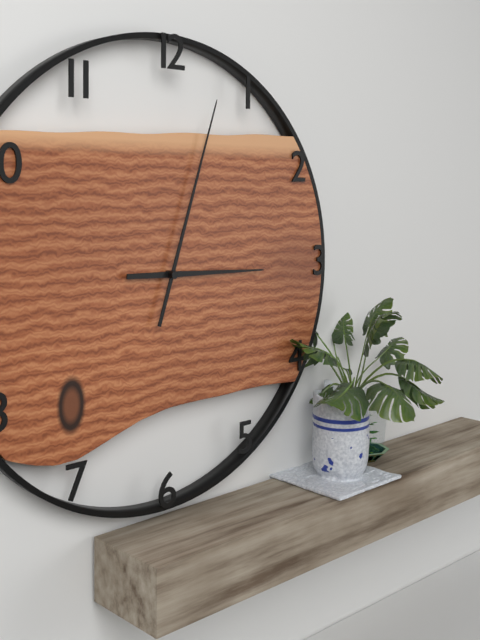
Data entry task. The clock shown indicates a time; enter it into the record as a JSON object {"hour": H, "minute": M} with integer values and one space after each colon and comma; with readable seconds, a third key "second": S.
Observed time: {"hour": 3, "minute": 3}
